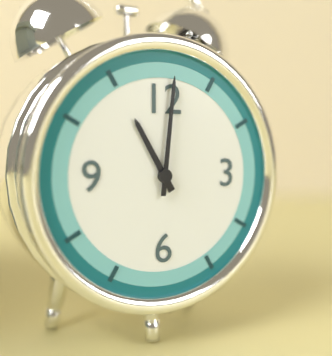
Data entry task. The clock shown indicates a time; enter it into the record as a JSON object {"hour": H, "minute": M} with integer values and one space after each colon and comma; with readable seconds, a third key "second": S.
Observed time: {"hour": 11, "minute": 1}
